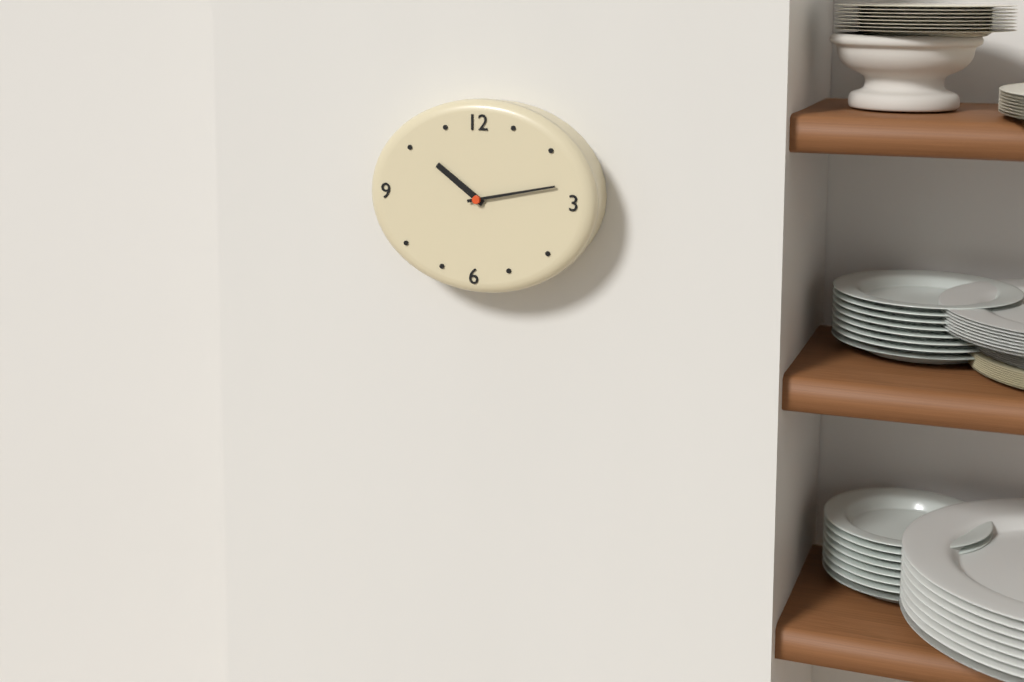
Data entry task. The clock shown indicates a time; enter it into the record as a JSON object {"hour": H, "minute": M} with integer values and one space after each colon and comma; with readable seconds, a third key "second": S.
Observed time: {"hour": 10, "minute": 13}
